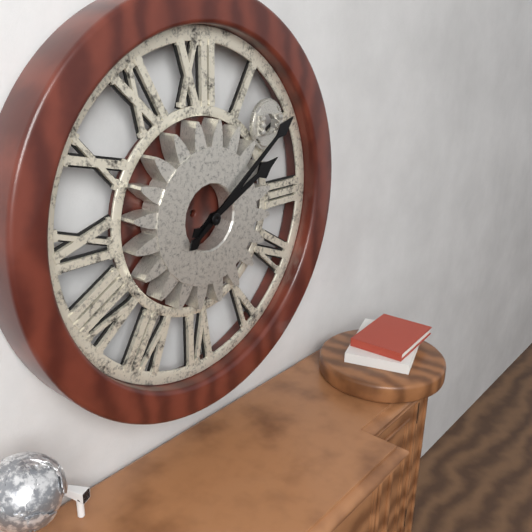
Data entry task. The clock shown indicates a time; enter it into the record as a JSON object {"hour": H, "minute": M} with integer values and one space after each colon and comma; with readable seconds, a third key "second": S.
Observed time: {"hour": 2, "minute": 9}
